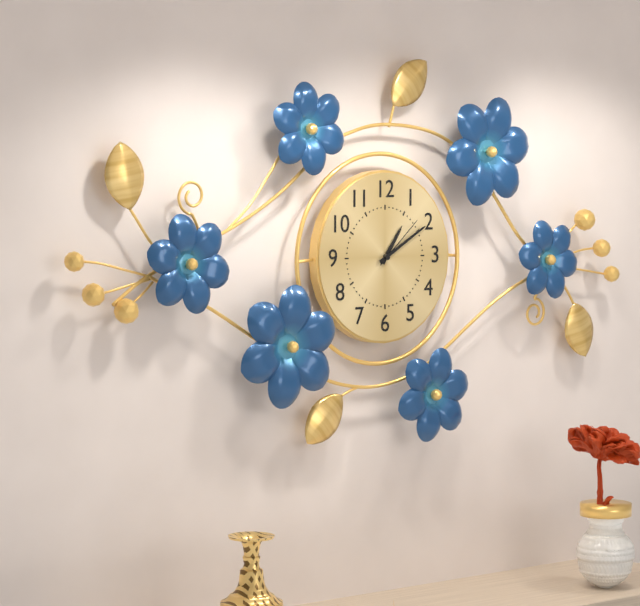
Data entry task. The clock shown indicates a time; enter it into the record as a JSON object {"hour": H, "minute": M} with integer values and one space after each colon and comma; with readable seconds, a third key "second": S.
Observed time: {"hour": 1, "minute": 10, "second": 8}
